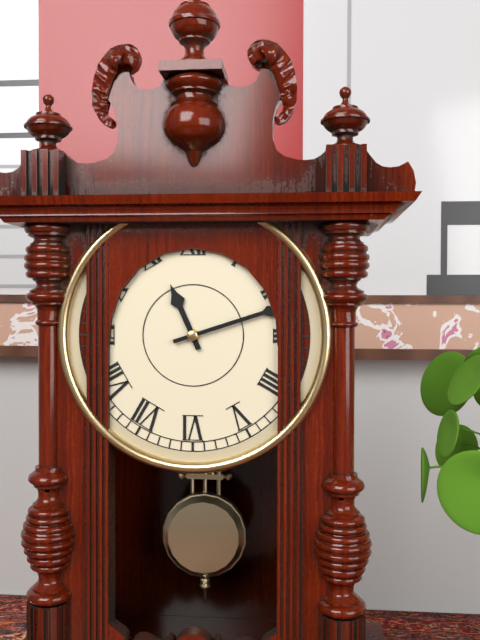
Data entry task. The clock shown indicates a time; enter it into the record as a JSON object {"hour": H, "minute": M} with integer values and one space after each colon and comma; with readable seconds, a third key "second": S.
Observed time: {"hour": 11, "minute": 12}
